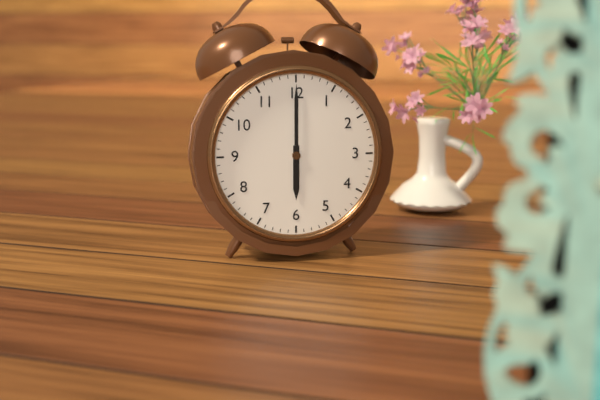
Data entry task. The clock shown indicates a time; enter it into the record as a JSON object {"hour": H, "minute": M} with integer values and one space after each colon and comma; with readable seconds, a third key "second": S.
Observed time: {"hour": 6, "minute": 0}
